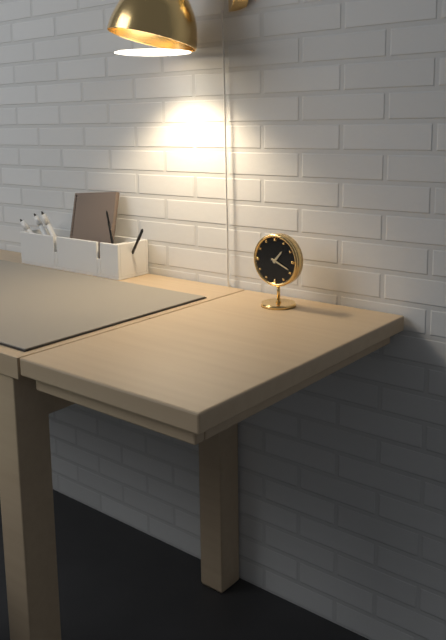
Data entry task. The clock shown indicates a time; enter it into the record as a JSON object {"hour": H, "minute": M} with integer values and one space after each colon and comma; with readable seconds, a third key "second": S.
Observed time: {"hour": 1, "minute": 19}
